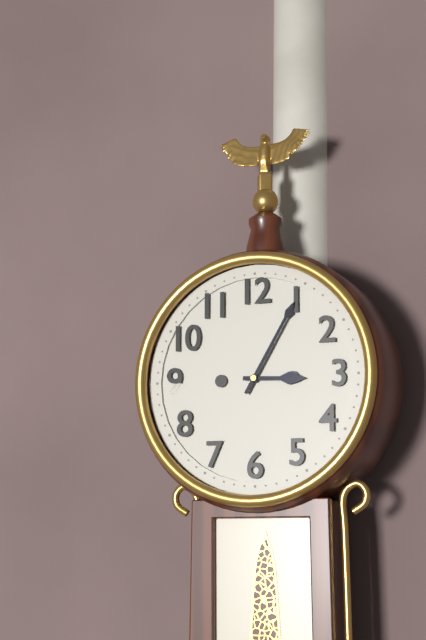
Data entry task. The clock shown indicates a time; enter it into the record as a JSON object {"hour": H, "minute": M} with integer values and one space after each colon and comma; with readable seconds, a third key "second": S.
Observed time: {"hour": 3, "minute": 5}
